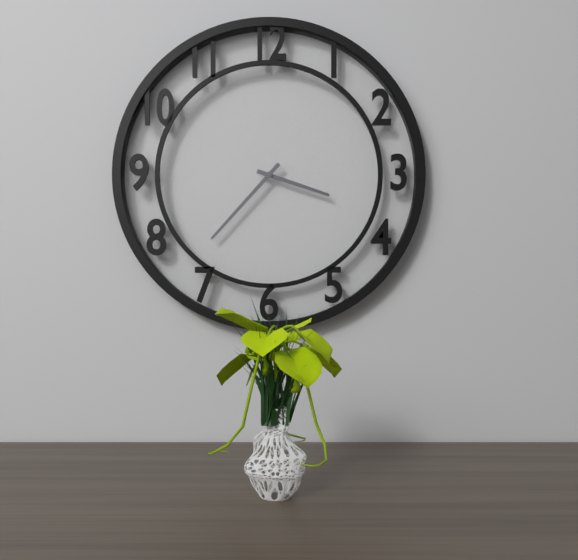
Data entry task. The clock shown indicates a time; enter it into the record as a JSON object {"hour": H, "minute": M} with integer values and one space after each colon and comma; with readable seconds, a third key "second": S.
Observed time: {"hour": 3, "minute": 37}
